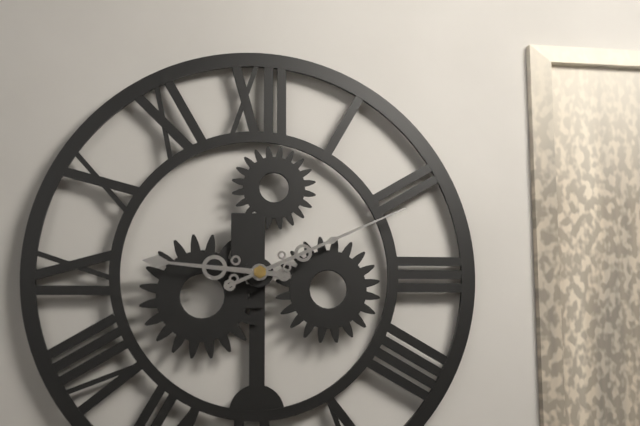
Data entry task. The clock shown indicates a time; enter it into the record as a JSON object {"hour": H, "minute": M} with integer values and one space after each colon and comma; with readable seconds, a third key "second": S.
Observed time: {"hour": 9, "minute": 11}
